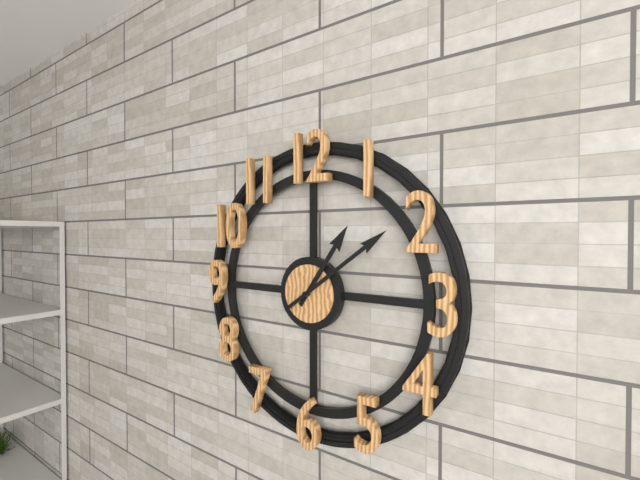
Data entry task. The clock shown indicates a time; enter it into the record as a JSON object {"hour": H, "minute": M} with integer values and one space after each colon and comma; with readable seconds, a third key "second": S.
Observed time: {"hour": 1, "minute": 9}
